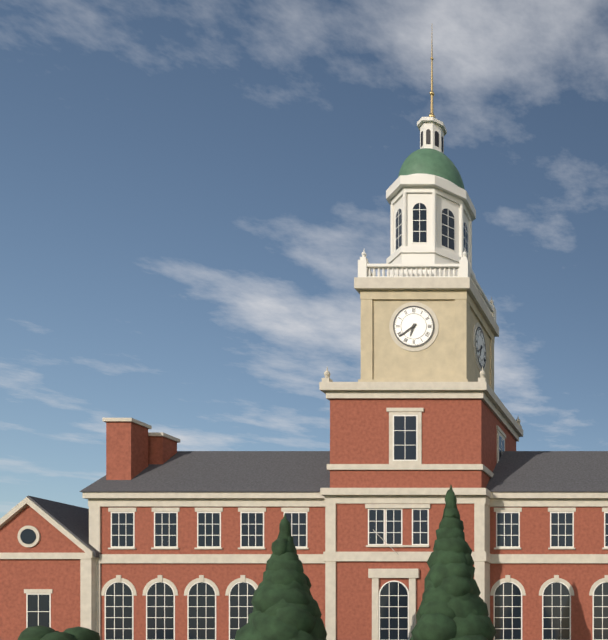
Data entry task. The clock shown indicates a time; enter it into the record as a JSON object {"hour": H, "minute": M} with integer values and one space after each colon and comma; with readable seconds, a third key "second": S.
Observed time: {"hour": 6, "minute": 39}
